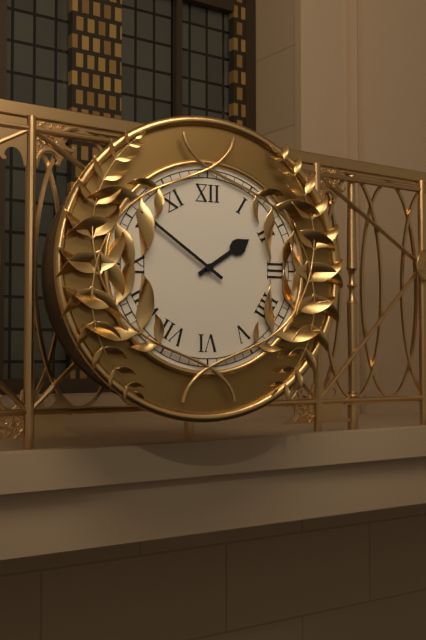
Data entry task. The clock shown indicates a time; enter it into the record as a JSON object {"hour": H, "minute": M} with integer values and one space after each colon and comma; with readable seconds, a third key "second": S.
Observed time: {"hour": 1, "minute": 51}
